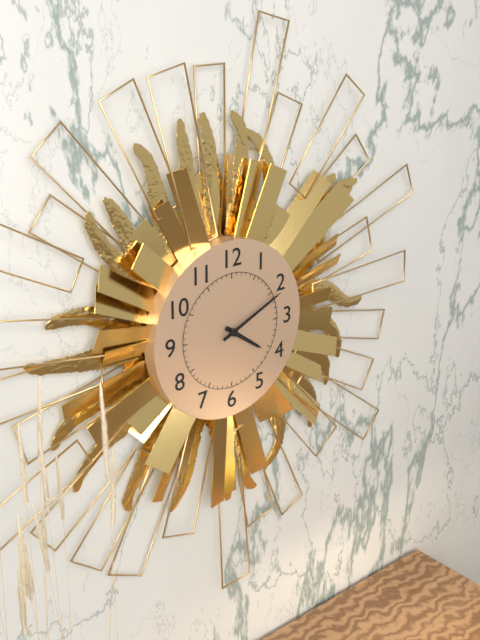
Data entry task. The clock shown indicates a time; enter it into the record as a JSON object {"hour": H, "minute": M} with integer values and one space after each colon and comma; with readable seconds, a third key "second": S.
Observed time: {"hour": 4, "minute": 11}
